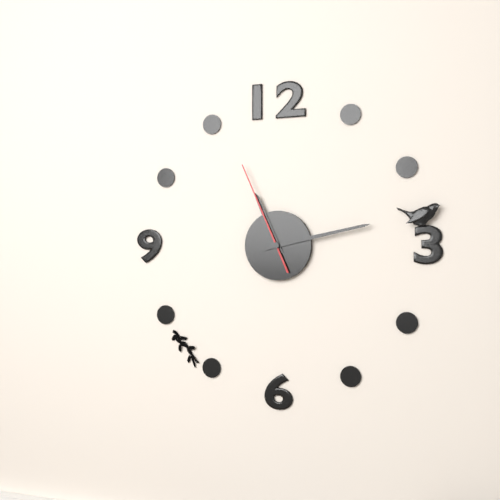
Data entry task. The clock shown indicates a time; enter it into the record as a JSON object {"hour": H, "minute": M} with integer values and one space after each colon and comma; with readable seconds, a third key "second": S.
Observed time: {"hour": 11, "minute": 13, "second": 56}
